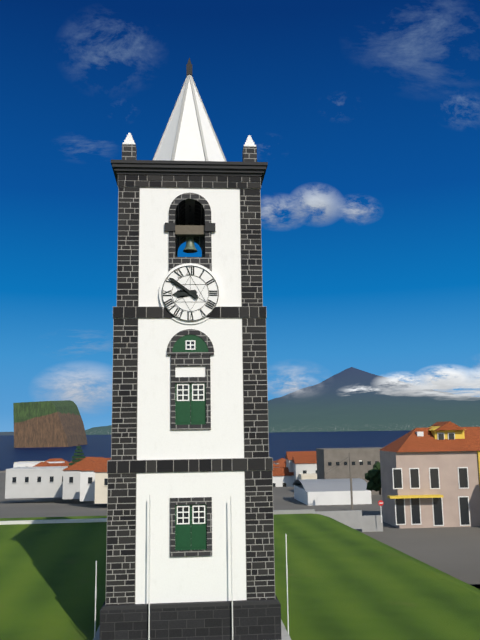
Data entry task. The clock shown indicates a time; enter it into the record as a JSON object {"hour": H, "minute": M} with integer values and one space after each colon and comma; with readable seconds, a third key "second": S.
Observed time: {"hour": 8, "minute": 51}
